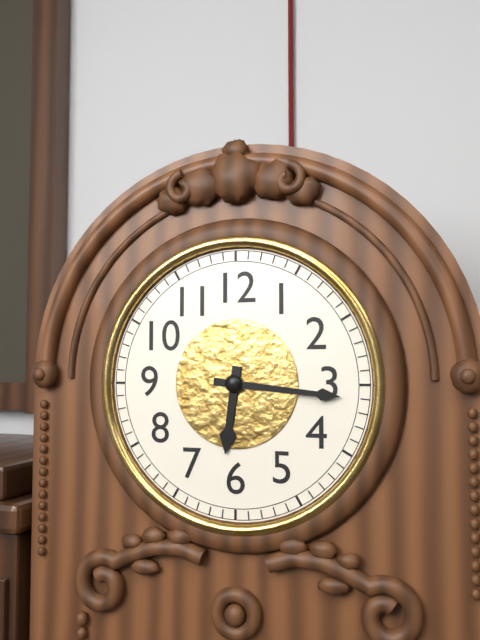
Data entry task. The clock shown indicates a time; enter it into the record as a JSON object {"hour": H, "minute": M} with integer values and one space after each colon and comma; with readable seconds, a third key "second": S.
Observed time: {"hour": 6, "minute": 16}
